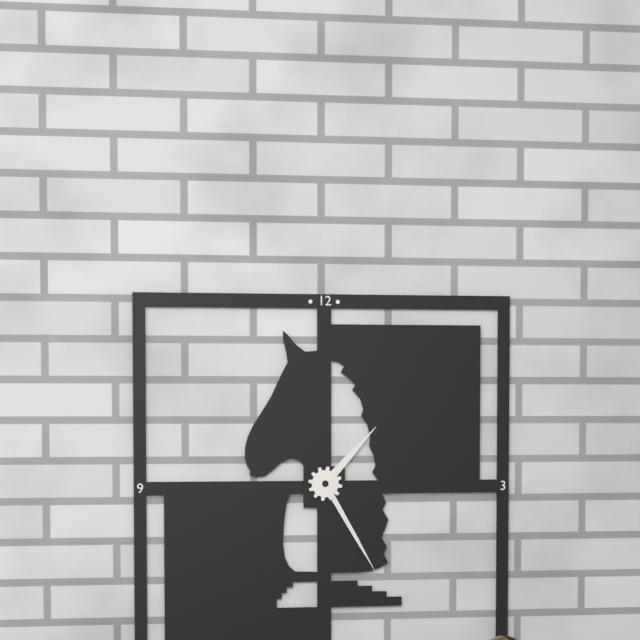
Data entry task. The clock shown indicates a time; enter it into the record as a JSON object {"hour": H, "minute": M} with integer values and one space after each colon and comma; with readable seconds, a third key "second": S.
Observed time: {"hour": 1, "minute": 25}
